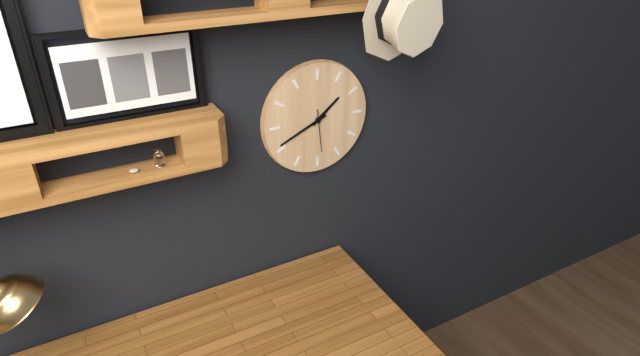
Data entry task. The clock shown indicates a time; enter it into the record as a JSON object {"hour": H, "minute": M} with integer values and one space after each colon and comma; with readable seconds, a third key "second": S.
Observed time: {"hour": 1, "minute": 41}
